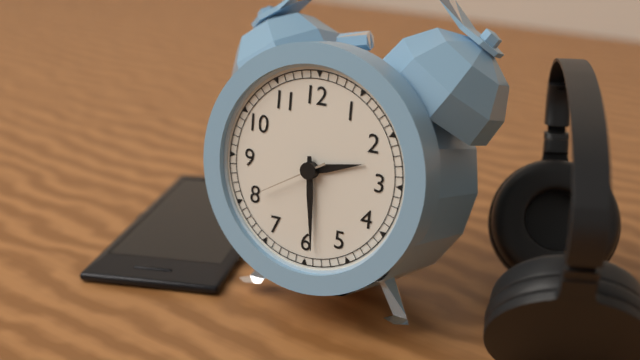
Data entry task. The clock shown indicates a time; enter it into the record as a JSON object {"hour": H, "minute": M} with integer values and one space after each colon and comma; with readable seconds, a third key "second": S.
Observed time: {"hour": 2, "minute": 29, "second": 40}
